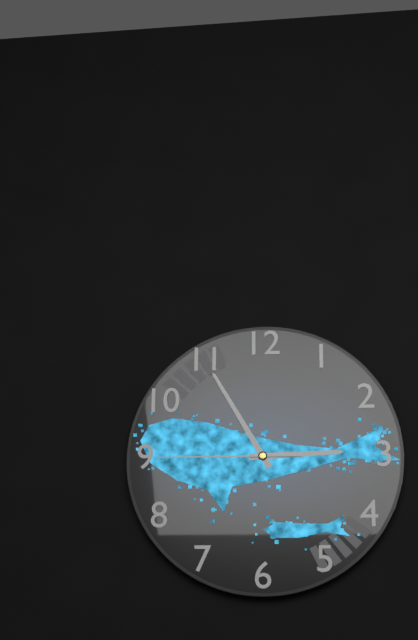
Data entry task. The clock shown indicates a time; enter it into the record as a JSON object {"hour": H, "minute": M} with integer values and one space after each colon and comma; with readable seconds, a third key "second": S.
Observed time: {"hour": 2, "minute": 55, "second": 45}
